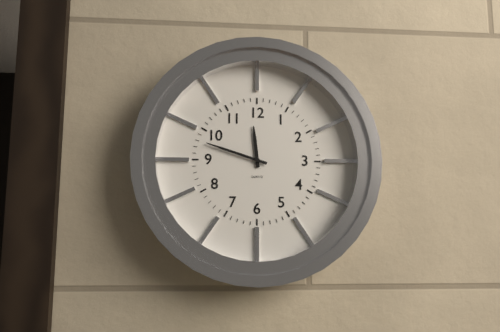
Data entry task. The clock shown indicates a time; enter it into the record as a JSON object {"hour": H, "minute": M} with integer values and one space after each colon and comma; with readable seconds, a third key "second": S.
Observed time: {"hour": 11, "minute": 48}
